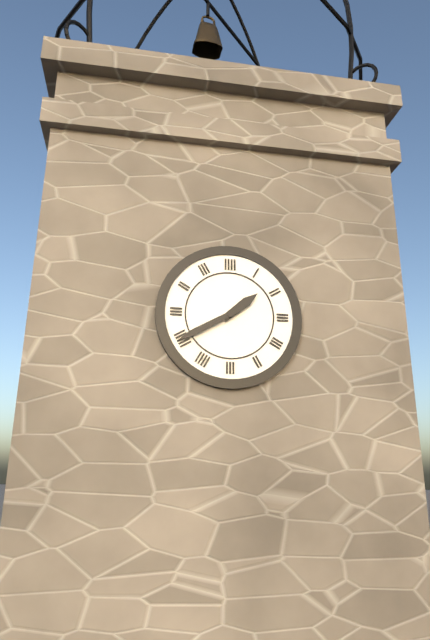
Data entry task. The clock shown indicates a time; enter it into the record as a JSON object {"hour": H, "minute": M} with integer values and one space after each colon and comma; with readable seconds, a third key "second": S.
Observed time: {"hour": 1, "minute": 40}
